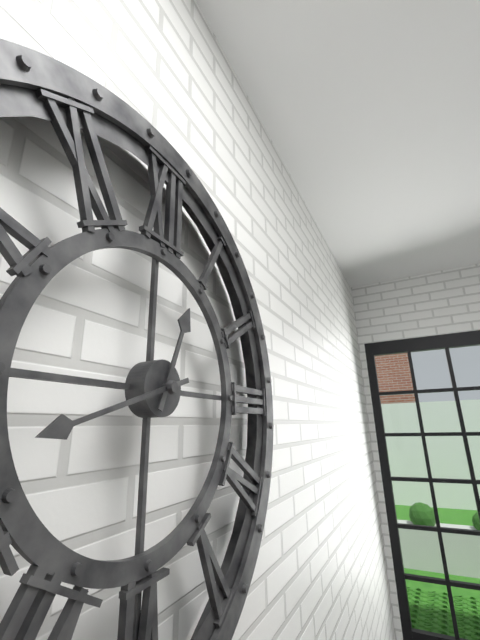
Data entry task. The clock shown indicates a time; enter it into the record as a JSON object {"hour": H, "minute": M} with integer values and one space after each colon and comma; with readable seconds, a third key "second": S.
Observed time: {"hour": 12, "minute": 42}
